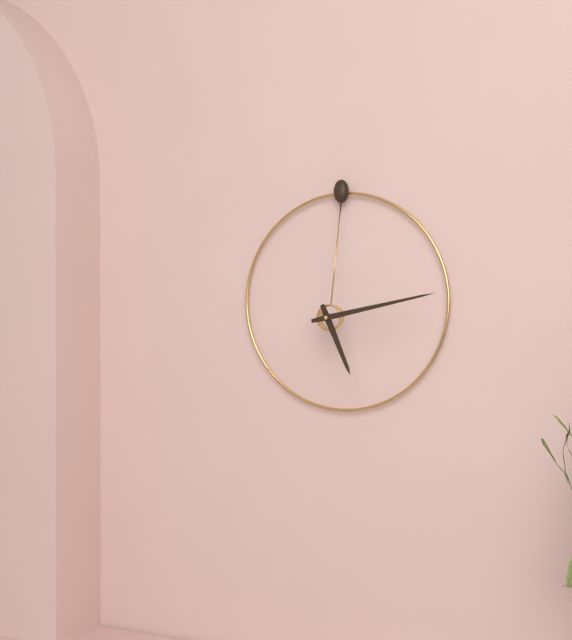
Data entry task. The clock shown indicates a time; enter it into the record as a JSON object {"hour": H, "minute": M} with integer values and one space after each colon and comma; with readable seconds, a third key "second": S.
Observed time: {"hour": 5, "minute": 13}
